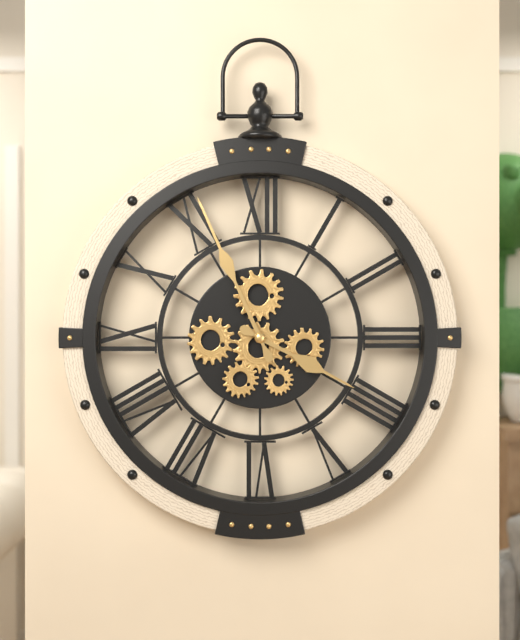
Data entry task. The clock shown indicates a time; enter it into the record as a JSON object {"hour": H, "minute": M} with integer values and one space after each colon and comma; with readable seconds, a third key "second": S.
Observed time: {"hour": 3, "minute": 56}
